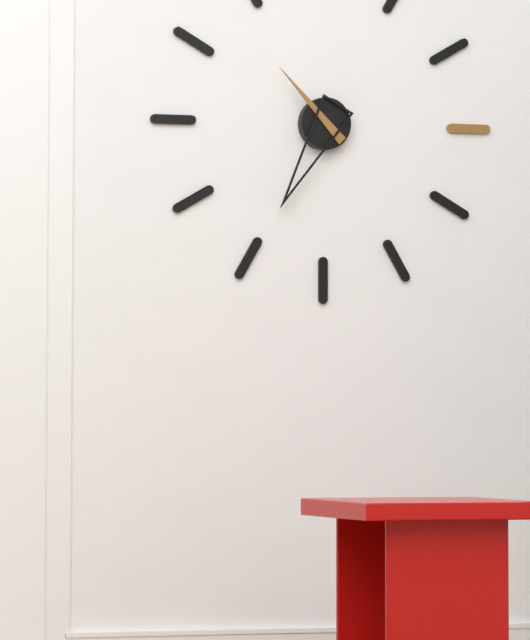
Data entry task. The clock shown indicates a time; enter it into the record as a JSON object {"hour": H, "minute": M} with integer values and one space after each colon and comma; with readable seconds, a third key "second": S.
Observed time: {"hour": 10, "minute": 35}
